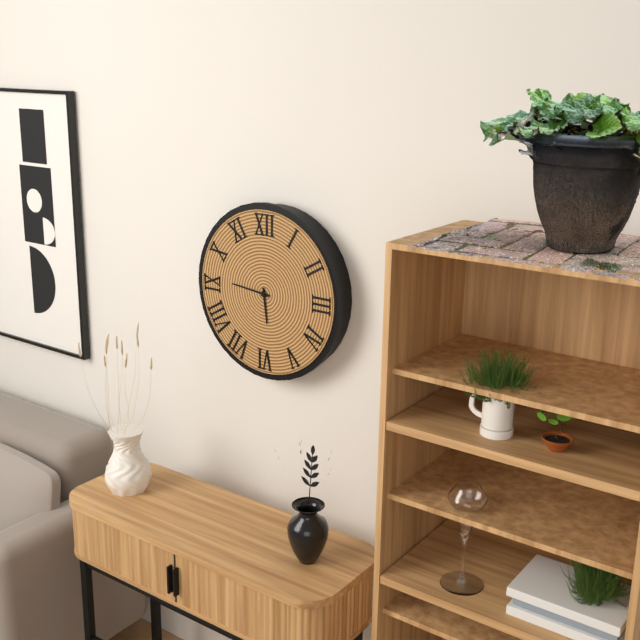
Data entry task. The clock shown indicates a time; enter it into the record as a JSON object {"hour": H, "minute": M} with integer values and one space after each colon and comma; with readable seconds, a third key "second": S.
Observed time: {"hour": 5, "minute": 46}
